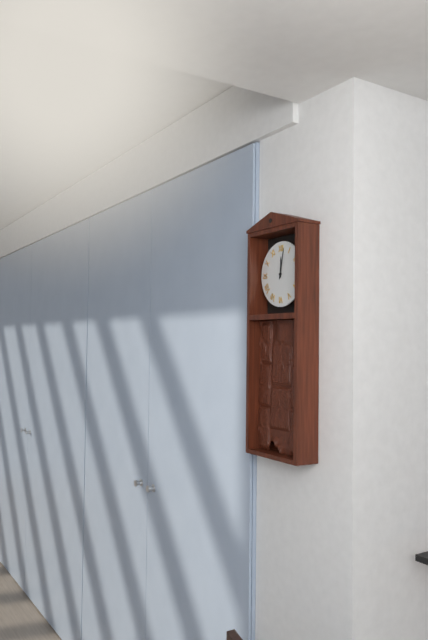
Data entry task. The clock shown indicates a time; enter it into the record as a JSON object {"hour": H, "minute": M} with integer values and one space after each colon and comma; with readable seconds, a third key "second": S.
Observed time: {"hour": 12, "minute": 2}
